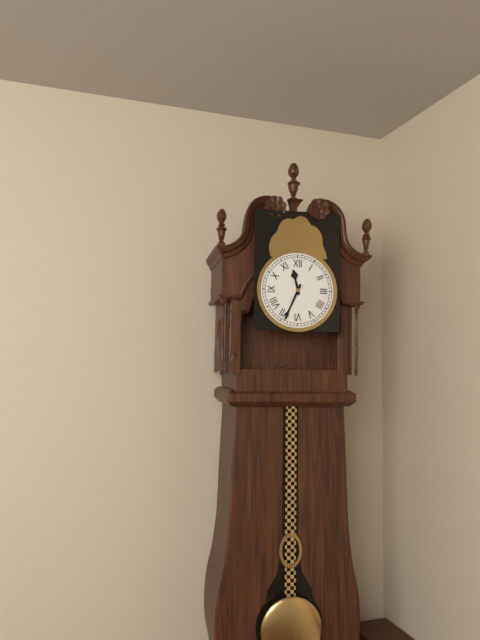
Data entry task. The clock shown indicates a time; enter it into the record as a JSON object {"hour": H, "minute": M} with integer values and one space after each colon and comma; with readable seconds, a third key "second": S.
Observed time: {"hour": 11, "minute": 34}
